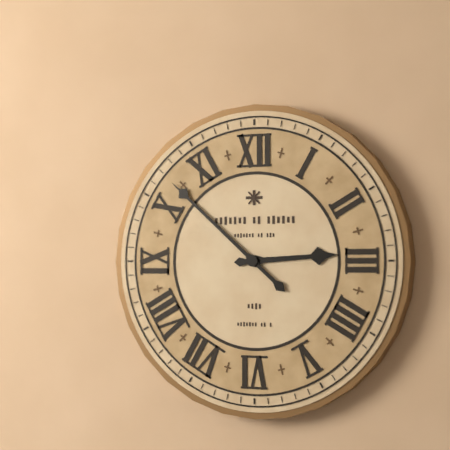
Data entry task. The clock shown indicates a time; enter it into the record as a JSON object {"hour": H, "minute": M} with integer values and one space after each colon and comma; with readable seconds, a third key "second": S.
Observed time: {"hour": 2, "minute": 52}
